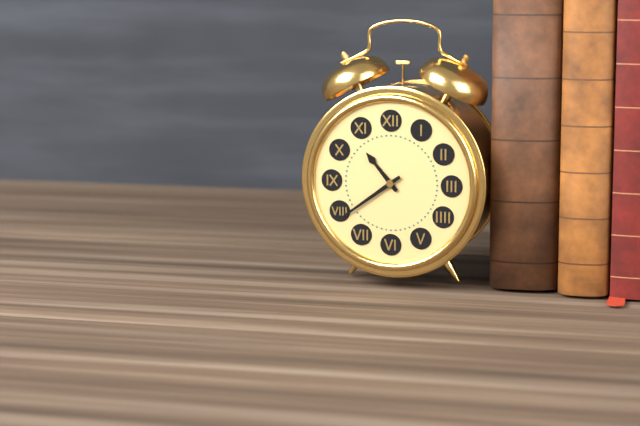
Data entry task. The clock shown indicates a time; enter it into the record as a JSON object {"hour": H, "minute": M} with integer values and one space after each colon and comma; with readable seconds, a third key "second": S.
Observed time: {"hour": 10, "minute": 39}
